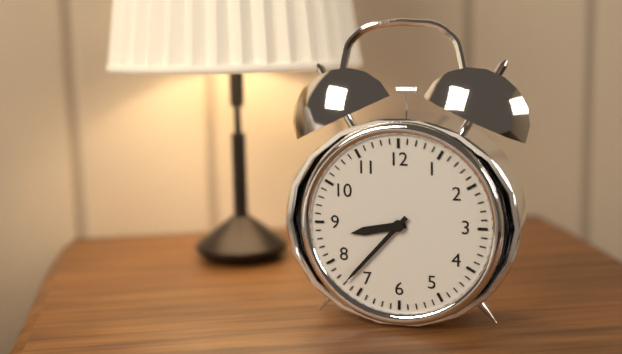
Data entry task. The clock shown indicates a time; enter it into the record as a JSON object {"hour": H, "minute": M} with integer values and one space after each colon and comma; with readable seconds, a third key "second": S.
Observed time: {"hour": 8, "minute": 37}
